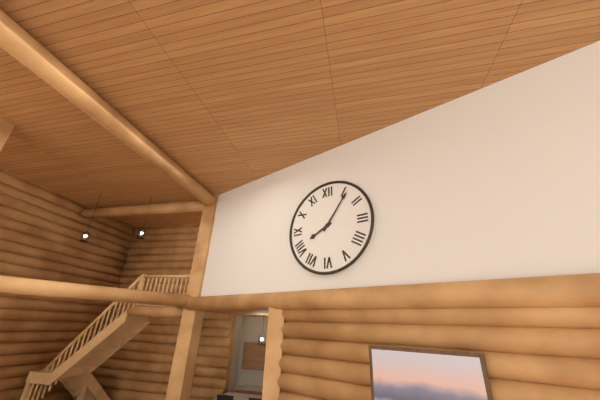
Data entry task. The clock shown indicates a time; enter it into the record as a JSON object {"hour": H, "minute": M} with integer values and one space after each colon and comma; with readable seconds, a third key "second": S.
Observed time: {"hour": 8, "minute": 6}
